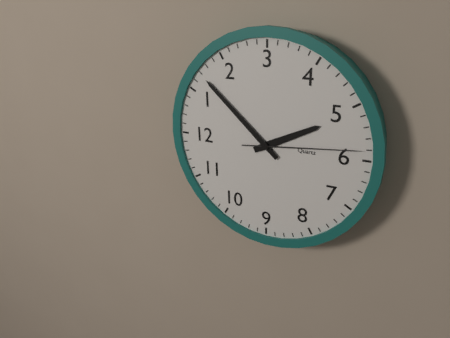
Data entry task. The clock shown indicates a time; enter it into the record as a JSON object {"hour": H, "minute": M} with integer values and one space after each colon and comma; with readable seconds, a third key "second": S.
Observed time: {"hour": 5, "minute": 7, "second": 29}
